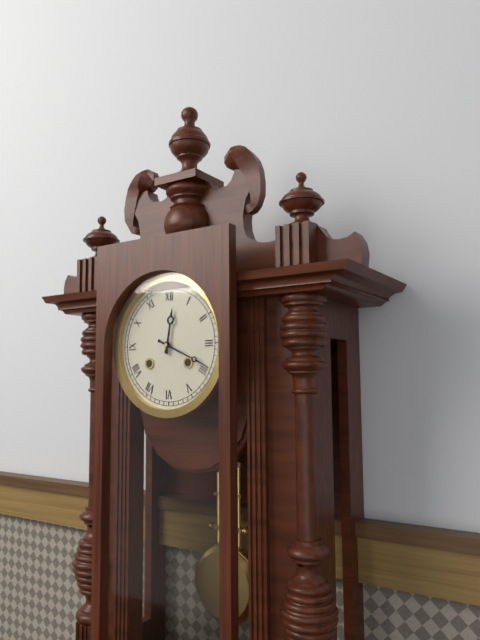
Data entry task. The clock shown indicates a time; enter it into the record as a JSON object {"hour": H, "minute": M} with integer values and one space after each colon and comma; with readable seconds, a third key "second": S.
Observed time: {"hour": 12, "minute": 19}
